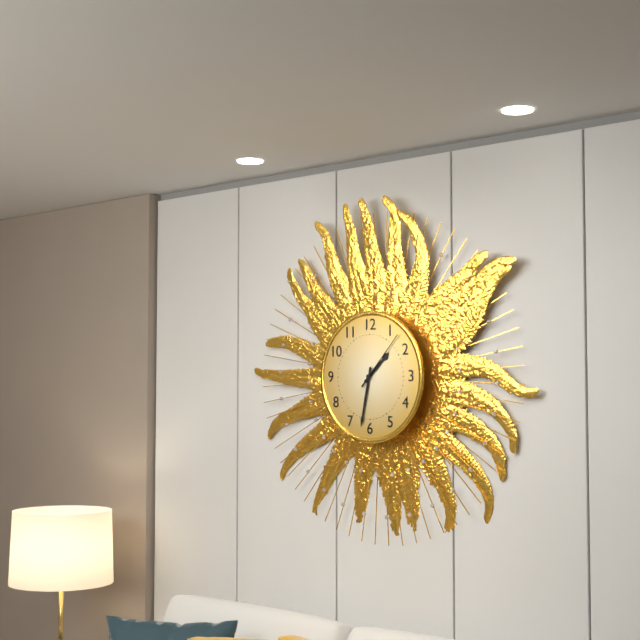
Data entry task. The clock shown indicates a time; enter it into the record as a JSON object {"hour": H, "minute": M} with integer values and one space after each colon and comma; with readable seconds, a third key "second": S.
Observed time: {"hour": 1, "minute": 32, "second": 7}
